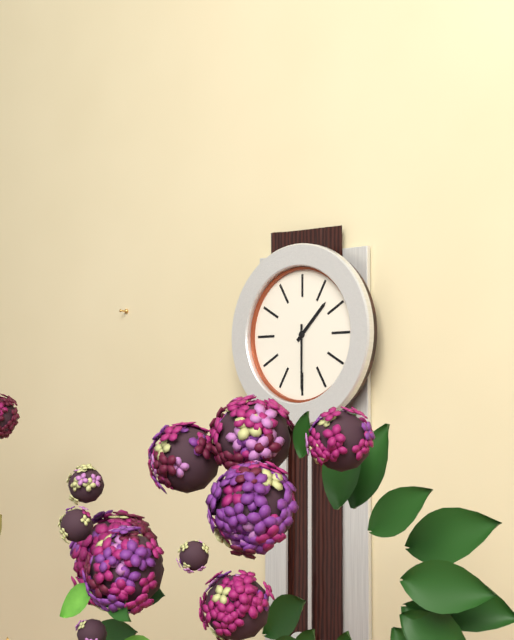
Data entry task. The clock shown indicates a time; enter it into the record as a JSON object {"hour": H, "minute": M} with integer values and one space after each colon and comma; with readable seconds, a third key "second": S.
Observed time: {"hour": 1, "minute": 30}
